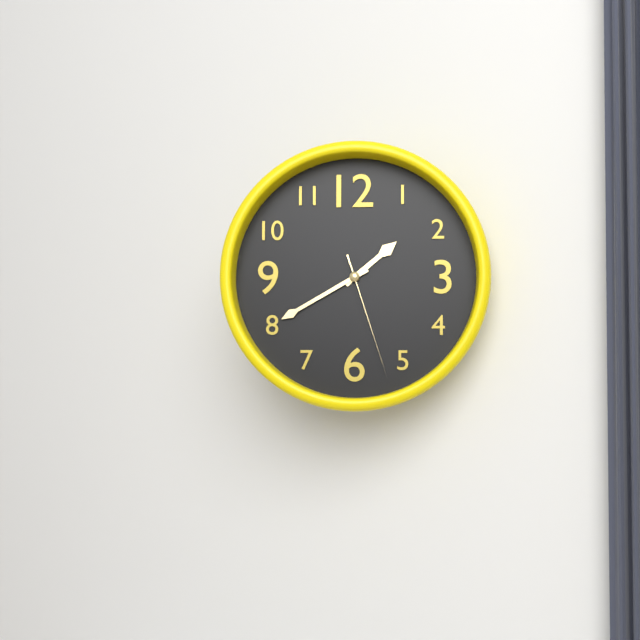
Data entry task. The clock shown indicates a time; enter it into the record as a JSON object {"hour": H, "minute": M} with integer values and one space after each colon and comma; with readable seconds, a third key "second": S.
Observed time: {"hour": 1, "minute": 40, "second": 27}
